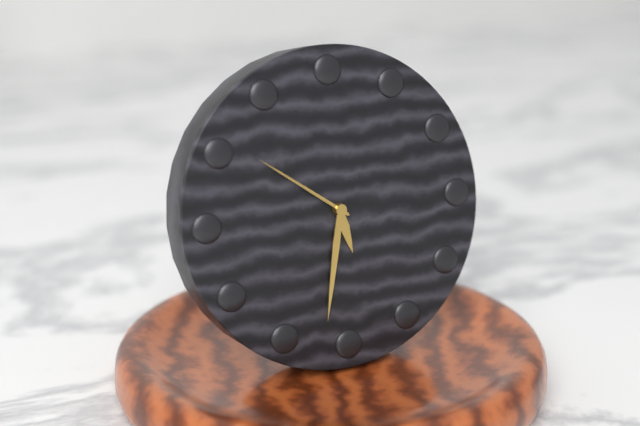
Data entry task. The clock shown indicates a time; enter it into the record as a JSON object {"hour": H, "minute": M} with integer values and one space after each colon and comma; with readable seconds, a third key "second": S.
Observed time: {"hour": 5, "minute": 32, "second": 51}
